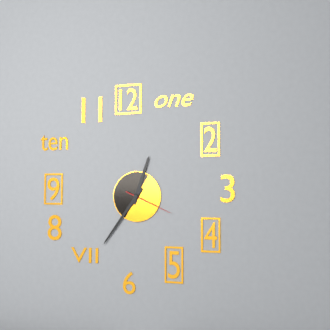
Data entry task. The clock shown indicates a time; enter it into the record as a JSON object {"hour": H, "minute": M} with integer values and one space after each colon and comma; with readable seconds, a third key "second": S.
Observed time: {"hour": 12, "minute": 36}
